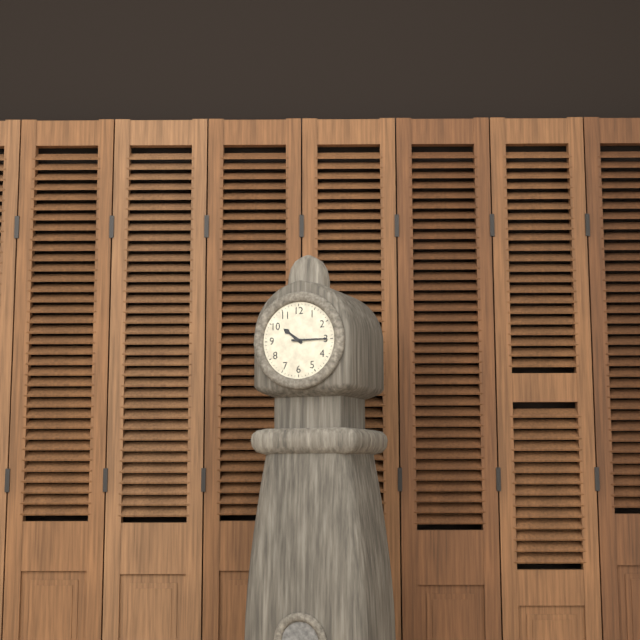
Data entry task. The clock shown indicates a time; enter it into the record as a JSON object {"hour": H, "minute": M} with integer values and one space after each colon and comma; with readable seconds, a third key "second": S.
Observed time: {"hour": 10, "minute": 15}
